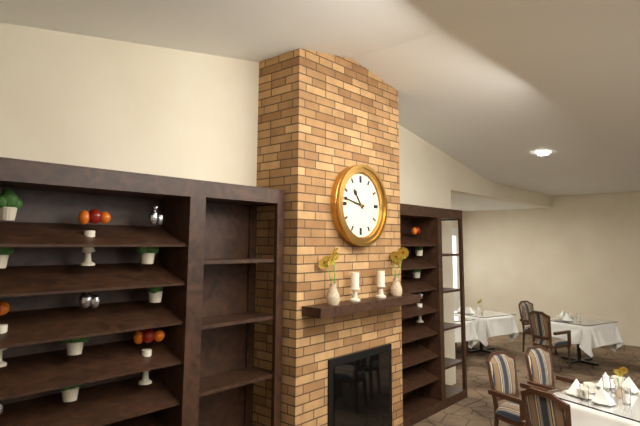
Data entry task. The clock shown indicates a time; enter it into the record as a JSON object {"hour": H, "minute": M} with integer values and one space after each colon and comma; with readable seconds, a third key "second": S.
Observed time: {"hour": 10, "minute": 47}
